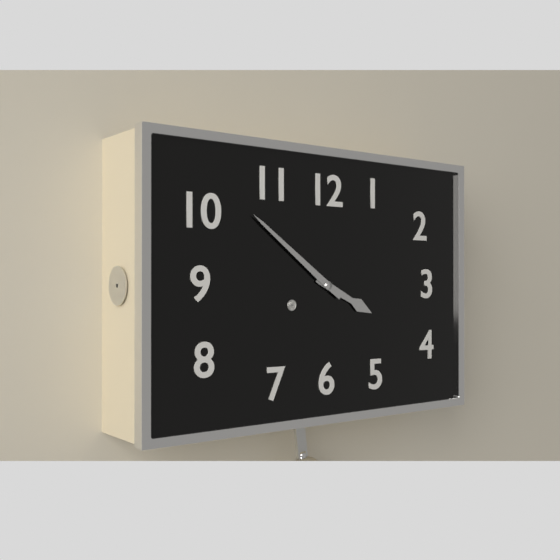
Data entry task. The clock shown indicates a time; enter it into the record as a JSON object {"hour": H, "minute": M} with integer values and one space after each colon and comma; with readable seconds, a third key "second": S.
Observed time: {"hour": 3, "minute": 51}
